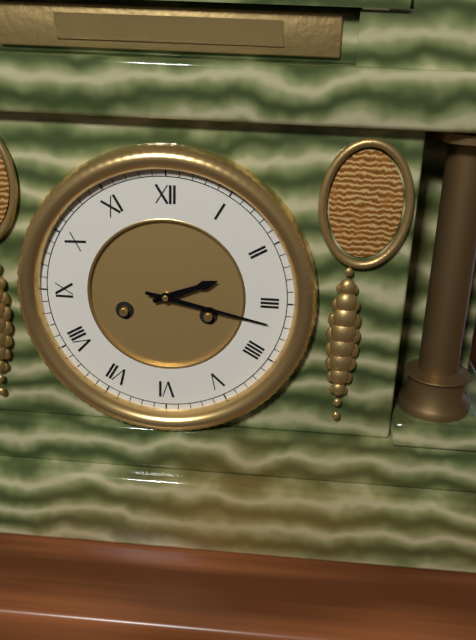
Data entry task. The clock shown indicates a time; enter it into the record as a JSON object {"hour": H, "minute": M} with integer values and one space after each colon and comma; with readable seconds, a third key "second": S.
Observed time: {"hour": 2, "minute": 17}
